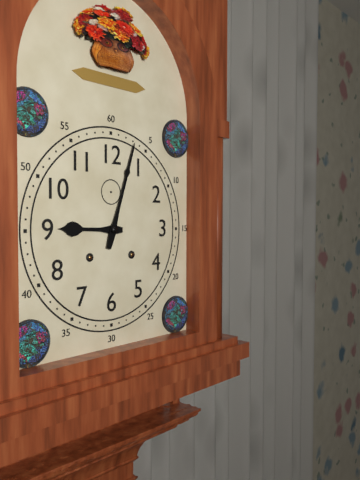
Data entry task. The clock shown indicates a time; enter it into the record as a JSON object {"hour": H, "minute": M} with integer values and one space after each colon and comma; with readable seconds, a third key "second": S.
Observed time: {"hour": 9, "minute": 3}
